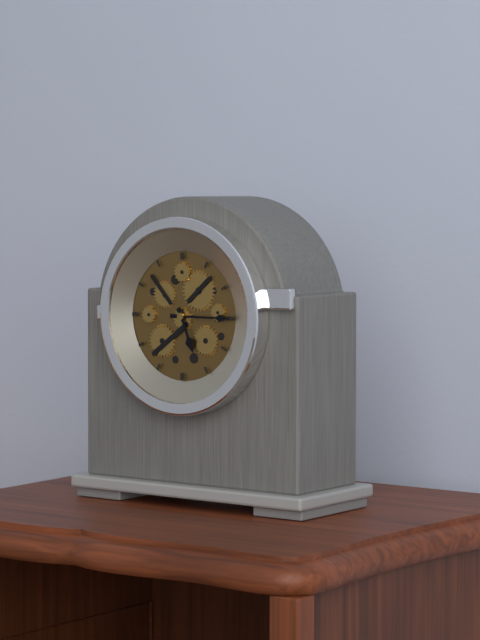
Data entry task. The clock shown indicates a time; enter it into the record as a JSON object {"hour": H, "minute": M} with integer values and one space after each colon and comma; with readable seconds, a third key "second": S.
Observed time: {"hour": 5, "minute": 15}
